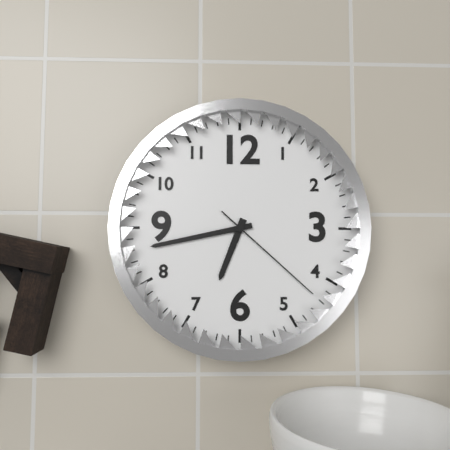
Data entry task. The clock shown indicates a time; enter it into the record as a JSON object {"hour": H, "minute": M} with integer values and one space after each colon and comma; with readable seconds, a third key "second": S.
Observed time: {"hour": 6, "minute": 43, "second": 22}
